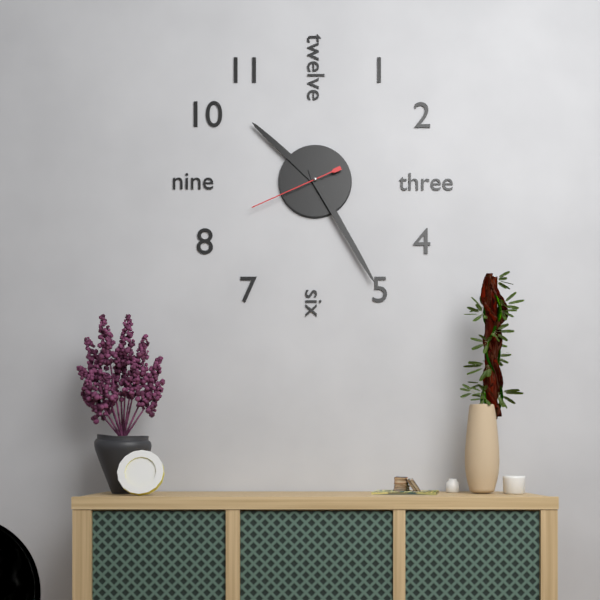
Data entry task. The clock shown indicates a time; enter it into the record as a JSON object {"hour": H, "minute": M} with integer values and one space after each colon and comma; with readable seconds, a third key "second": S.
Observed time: {"hour": 10, "minute": 25, "second": 41}
